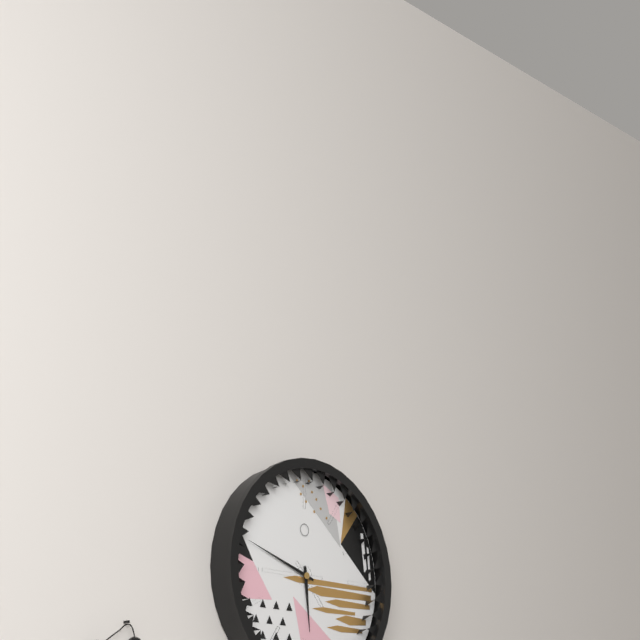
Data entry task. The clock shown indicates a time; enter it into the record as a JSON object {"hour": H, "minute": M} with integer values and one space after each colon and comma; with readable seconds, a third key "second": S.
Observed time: {"hour": 5, "minute": 48}
